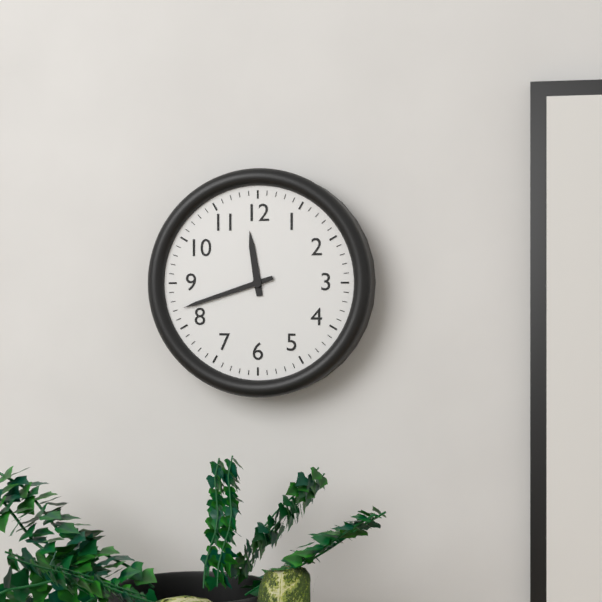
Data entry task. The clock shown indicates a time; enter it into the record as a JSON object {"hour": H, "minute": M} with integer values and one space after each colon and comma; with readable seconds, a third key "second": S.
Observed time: {"hour": 11, "minute": 42}
